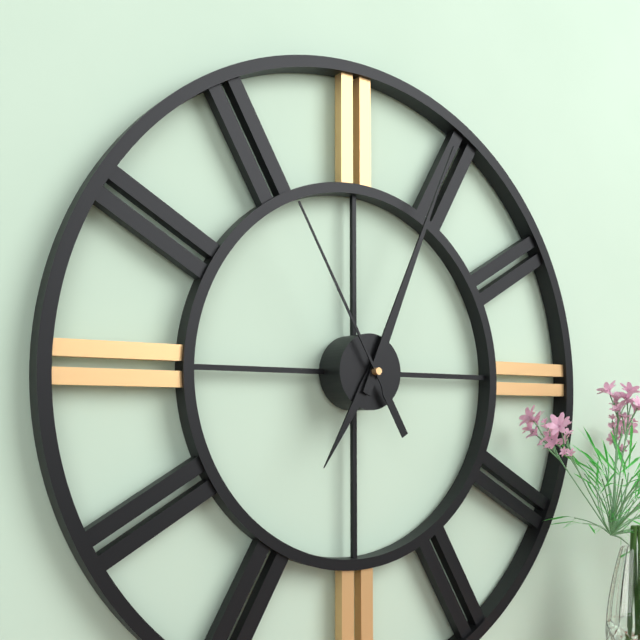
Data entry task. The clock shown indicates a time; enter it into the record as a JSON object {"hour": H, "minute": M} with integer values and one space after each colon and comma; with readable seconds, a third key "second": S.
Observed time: {"hour": 7, "minute": 4, "second": 55}
